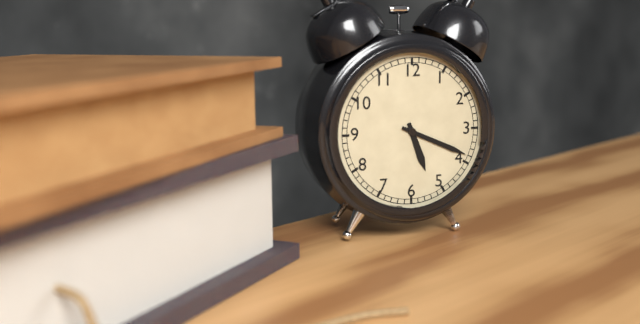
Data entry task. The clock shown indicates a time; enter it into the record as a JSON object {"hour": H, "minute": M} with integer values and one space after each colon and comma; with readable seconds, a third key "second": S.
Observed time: {"hour": 5, "minute": 19}
